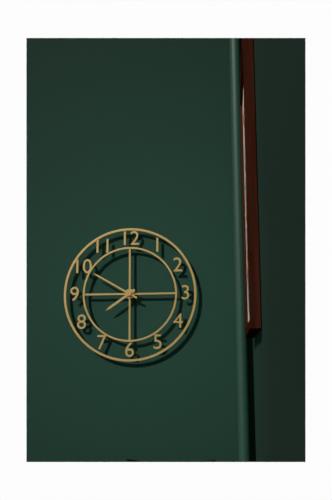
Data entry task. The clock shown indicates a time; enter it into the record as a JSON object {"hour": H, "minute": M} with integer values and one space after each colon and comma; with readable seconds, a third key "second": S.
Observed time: {"hour": 7, "minute": 50}
